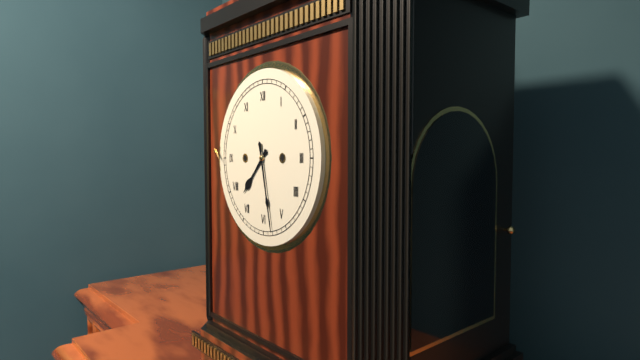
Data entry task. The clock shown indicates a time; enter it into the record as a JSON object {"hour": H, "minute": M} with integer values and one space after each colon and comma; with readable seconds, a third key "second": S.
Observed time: {"hour": 7, "minute": 28}
